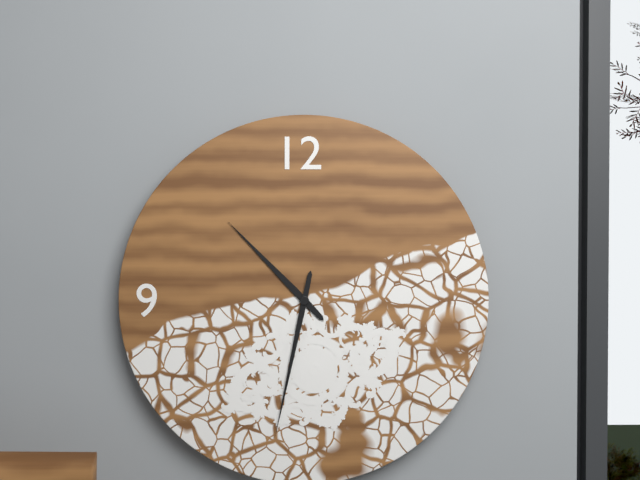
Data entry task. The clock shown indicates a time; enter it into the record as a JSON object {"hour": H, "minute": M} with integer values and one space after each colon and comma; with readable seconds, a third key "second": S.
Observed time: {"hour": 10, "minute": 32}
